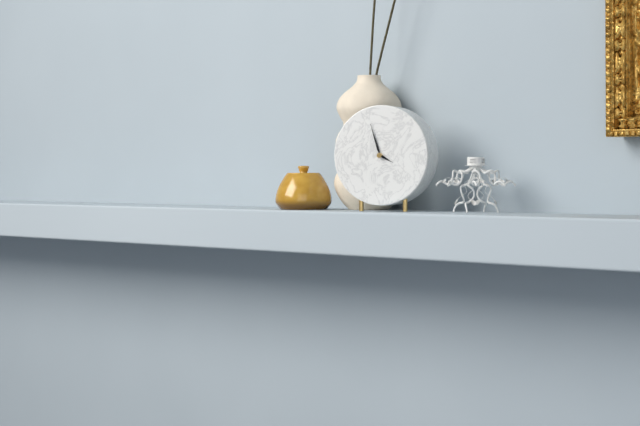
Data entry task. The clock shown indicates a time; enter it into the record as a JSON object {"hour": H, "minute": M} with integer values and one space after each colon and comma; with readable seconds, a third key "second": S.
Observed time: {"hour": 3, "minute": 57}
